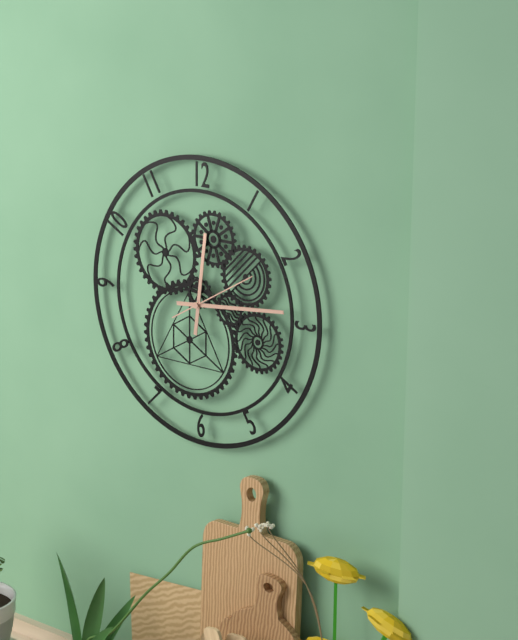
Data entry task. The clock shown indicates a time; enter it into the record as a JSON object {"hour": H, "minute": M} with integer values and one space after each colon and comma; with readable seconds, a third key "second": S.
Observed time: {"hour": 12, "minute": 14, "second": 10}
